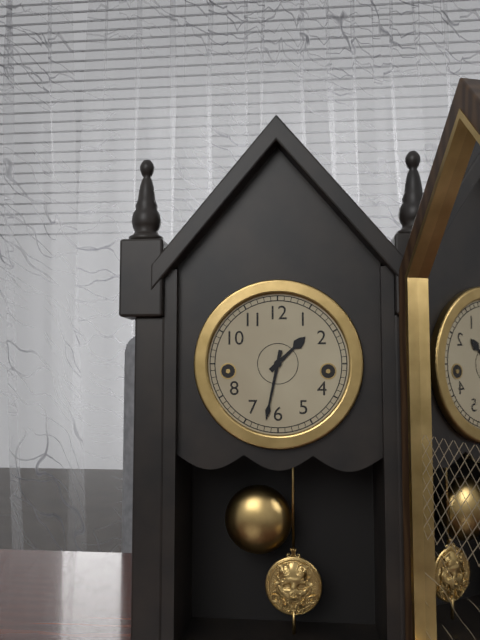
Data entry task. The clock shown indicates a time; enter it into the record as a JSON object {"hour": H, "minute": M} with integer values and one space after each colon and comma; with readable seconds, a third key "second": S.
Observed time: {"hour": 1, "minute": 32}
